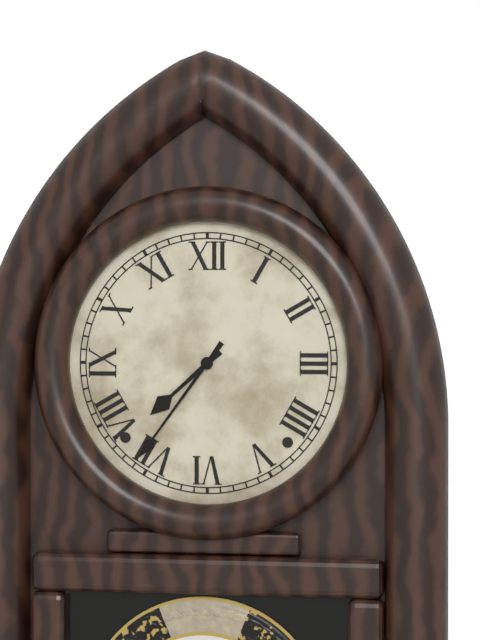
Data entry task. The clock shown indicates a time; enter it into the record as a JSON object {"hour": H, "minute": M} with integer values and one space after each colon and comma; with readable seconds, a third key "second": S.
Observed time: {"hour": 7, "minute": 36}
